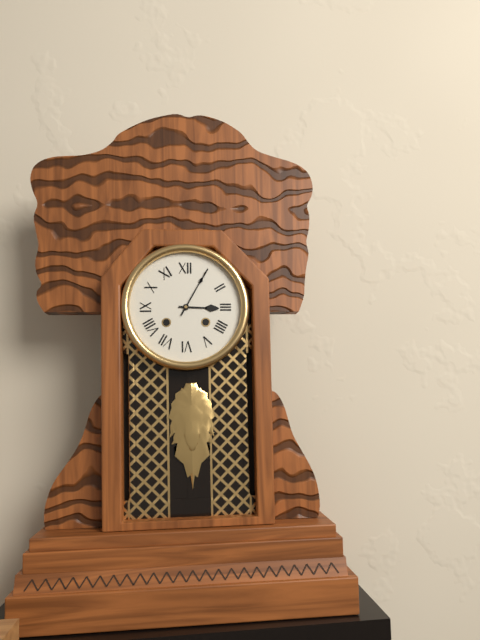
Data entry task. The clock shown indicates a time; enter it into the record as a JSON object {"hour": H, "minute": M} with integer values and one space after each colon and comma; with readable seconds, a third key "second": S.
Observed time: {"hour": 3, "minute": 5}
